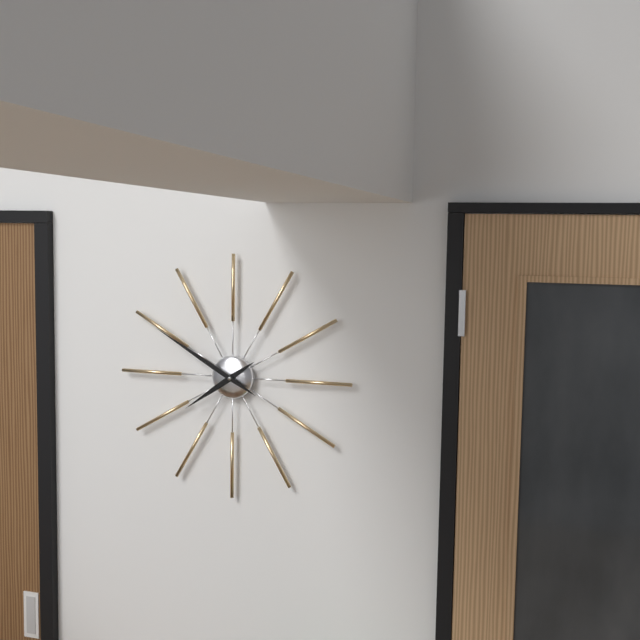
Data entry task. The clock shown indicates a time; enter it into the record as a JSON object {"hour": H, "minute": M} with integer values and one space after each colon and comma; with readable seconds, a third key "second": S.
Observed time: {"hour": 7, "minute": 50}
